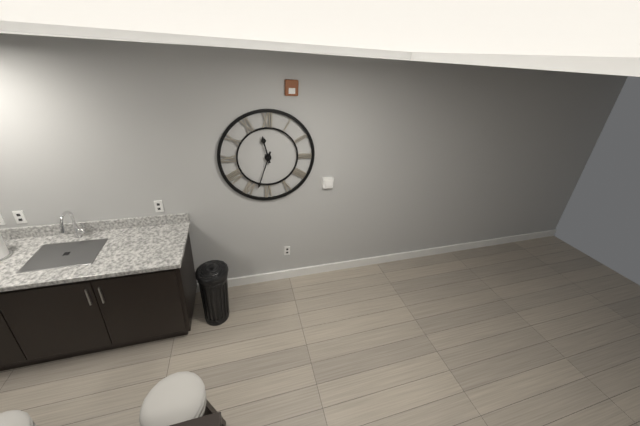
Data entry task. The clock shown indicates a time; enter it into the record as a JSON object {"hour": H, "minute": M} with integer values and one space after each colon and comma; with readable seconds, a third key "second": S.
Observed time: {"hour": 11, "minute": 33}
